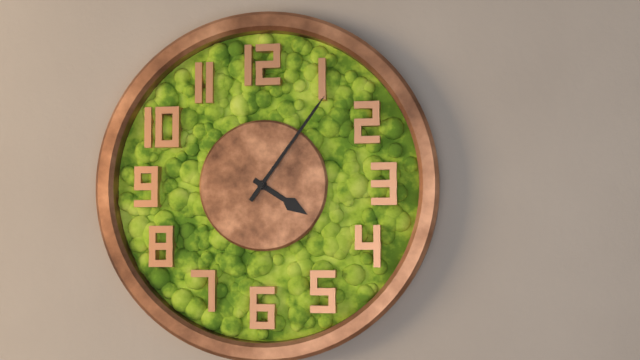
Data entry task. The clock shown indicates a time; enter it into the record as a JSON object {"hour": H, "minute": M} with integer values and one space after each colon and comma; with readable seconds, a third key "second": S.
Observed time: {"hour": 4, "minute": 6}
